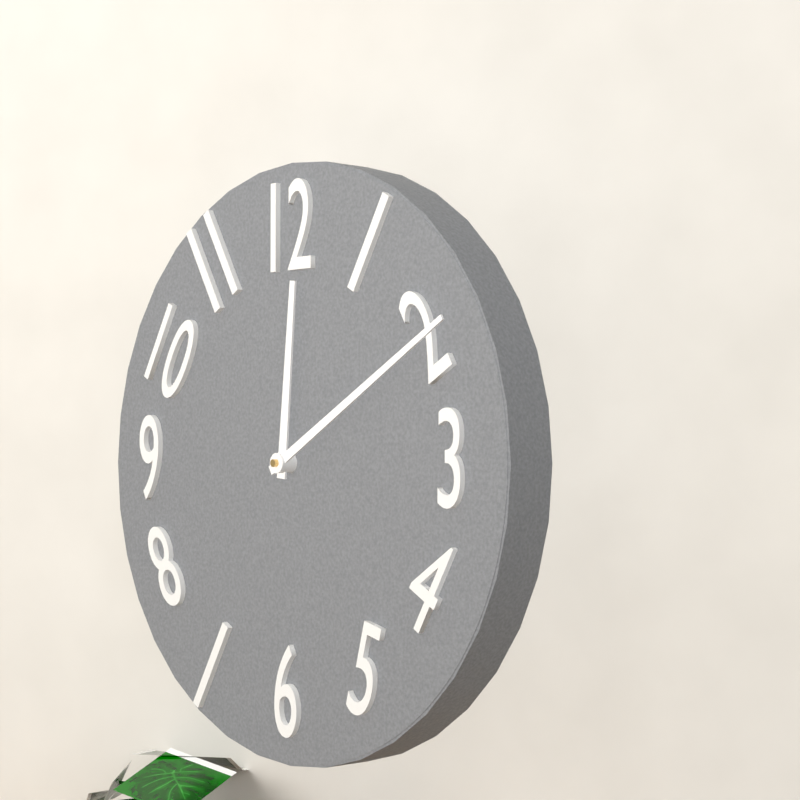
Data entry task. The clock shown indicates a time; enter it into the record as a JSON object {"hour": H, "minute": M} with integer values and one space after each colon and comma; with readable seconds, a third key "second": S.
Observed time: {"hour": 12, "minute": 10}
